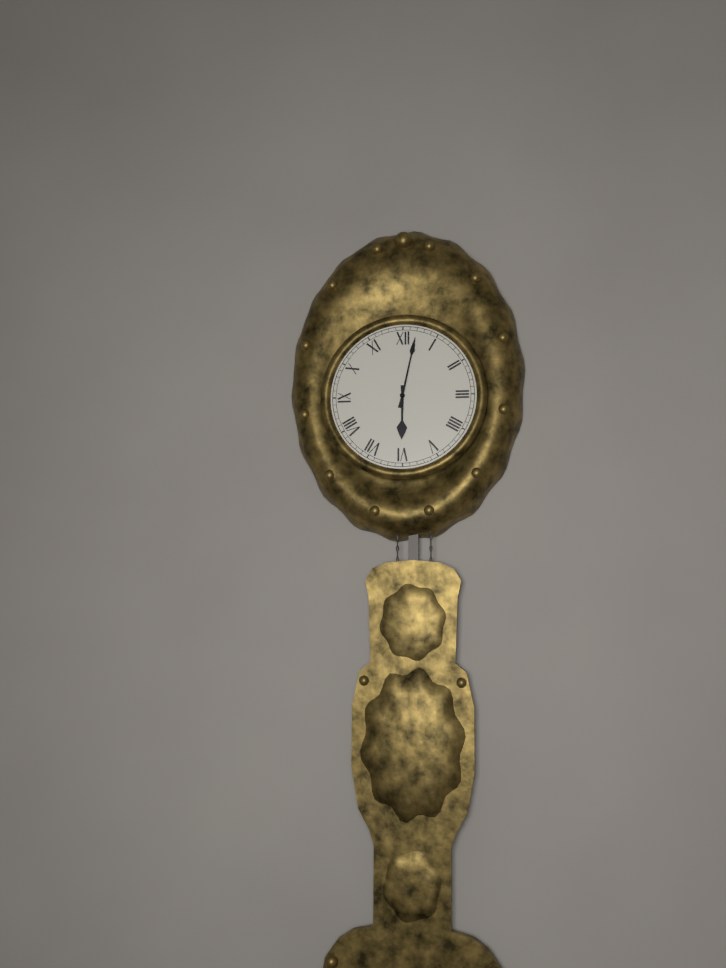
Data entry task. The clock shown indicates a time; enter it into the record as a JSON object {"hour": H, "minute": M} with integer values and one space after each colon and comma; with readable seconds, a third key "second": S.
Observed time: {"hour": 6, "minute": 2}
